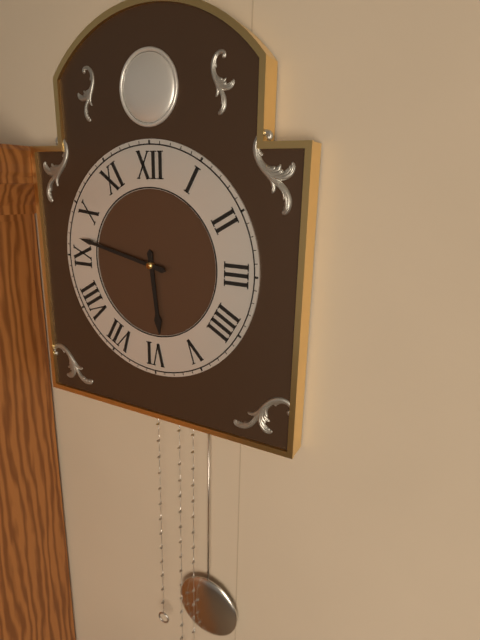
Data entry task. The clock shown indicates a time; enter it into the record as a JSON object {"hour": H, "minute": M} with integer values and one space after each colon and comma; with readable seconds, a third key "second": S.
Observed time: {"hour": 5, "minute": 47}
